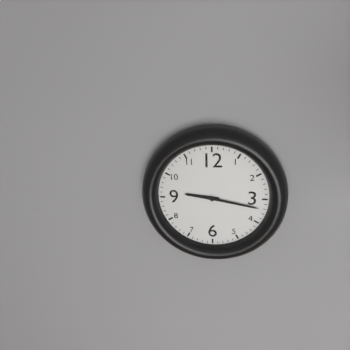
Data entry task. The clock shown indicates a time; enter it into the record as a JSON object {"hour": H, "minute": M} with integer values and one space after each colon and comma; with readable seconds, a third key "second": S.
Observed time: {"hour": 9, "minute": 17}
